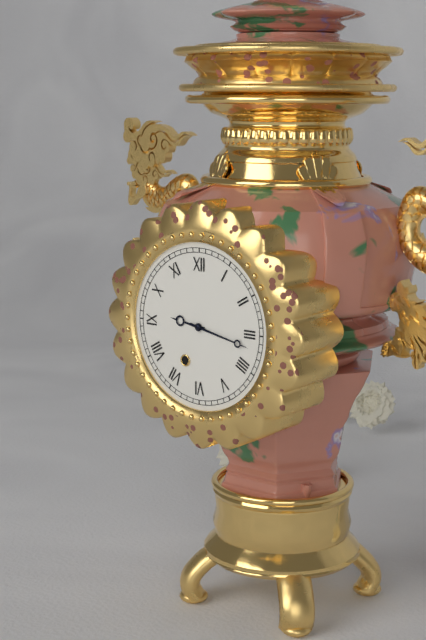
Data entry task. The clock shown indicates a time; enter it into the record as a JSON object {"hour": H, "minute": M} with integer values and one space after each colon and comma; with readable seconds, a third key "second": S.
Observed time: {"hour": 9, "minute": 17}
